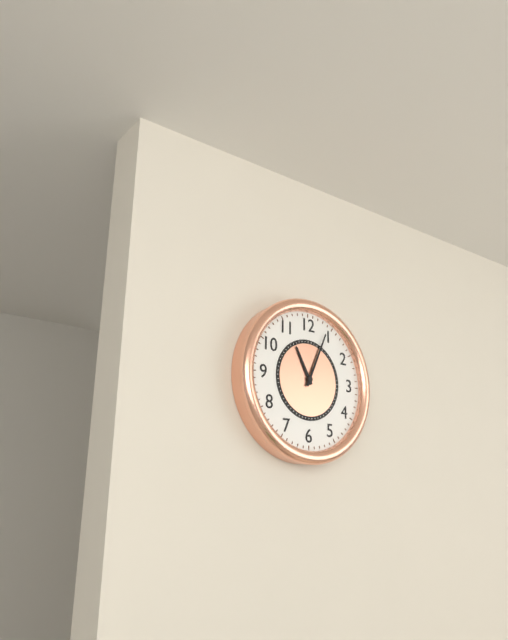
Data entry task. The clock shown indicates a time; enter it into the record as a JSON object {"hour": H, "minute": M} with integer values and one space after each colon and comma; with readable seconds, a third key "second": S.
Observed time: {"hour": 11, "minute": 4}
